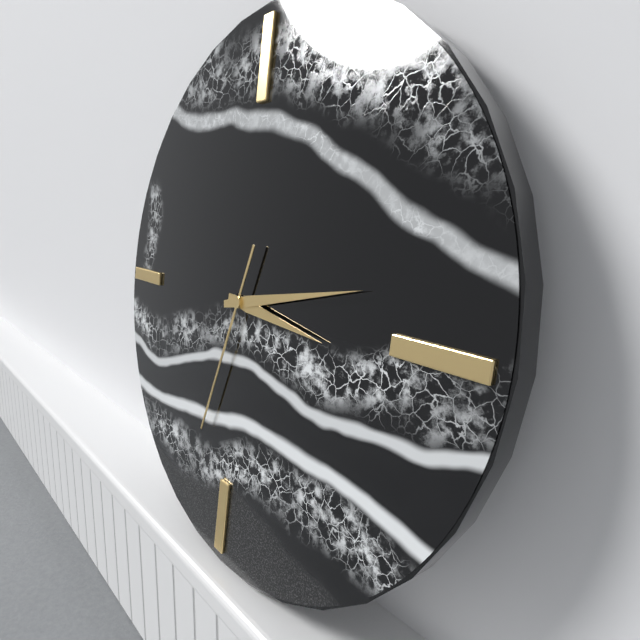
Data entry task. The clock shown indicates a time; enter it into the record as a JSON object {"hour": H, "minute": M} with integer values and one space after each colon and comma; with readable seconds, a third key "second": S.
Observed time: {"hour": 3, "minute": 13, "second": 33}
